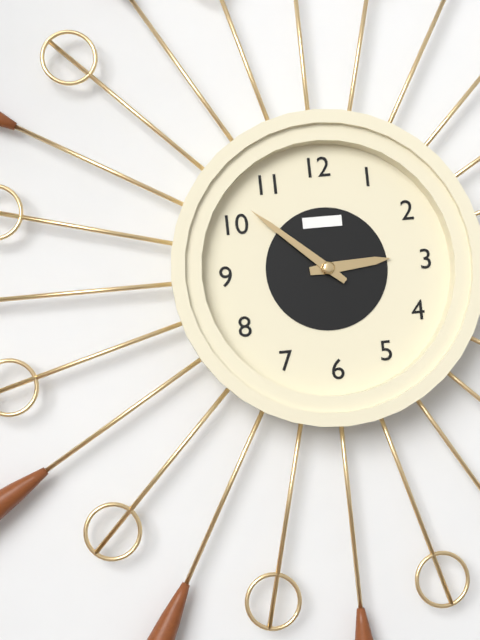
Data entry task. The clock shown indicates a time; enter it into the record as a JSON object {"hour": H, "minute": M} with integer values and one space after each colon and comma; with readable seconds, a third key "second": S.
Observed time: {"hour": 2, "minute": 52}
